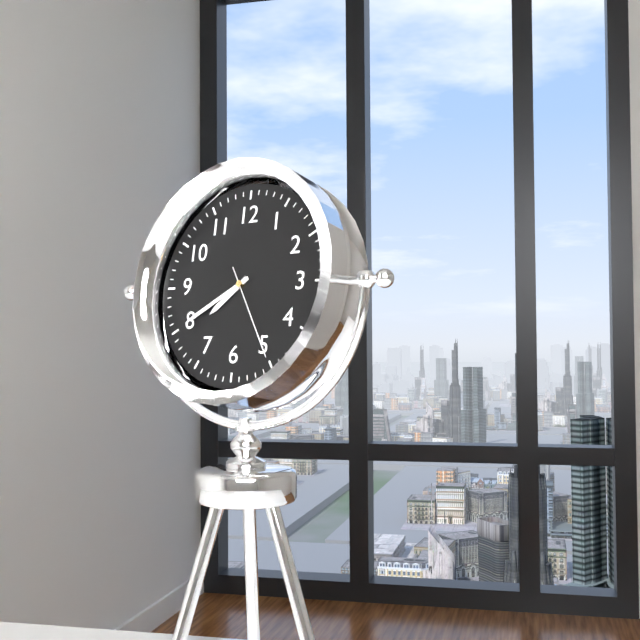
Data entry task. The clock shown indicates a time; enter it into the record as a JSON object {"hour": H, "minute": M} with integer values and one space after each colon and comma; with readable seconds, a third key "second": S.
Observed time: {"hour": 7, "minute": 40, "second": 25}
